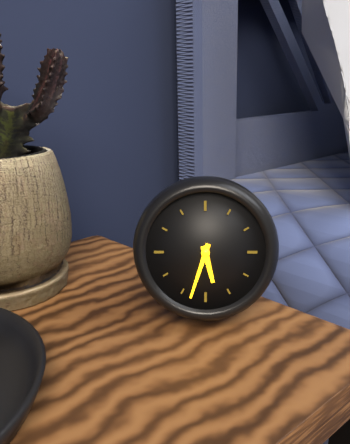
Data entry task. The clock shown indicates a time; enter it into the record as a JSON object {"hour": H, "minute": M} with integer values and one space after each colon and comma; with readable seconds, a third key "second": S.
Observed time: {"hour": 5, "minute": 33}
